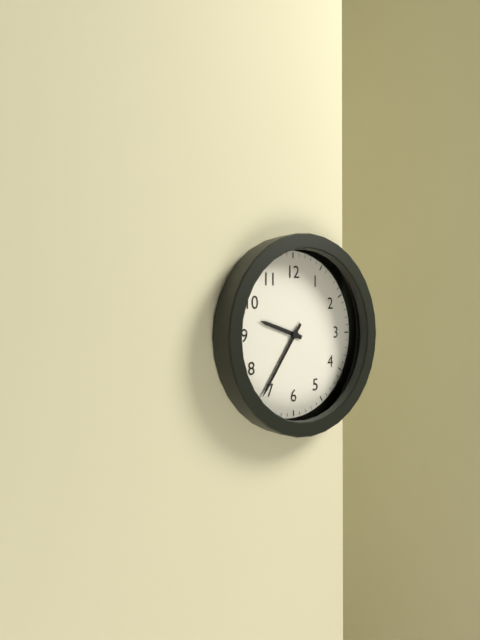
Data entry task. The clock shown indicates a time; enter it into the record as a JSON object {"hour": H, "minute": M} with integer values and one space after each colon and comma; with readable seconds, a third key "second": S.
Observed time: {"hour": 9, "minute": 36}
